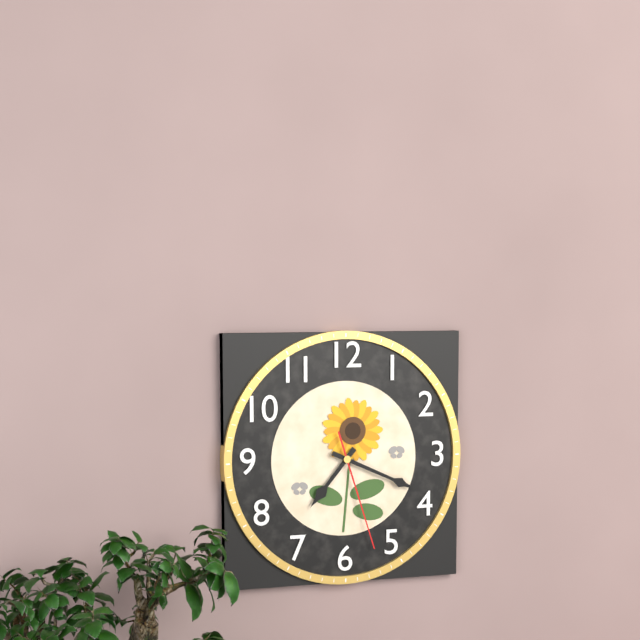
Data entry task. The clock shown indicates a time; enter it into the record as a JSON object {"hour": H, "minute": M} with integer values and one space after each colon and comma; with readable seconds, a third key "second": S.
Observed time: {"hour": 7, "minute": 19, "second": 27}
